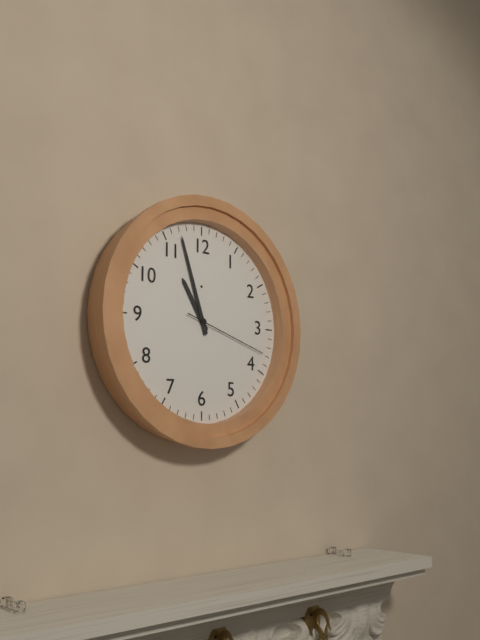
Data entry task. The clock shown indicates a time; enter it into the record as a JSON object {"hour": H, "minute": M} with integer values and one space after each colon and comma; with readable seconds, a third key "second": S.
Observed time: {"hour": 10, "minute": 57, "second": 18}
